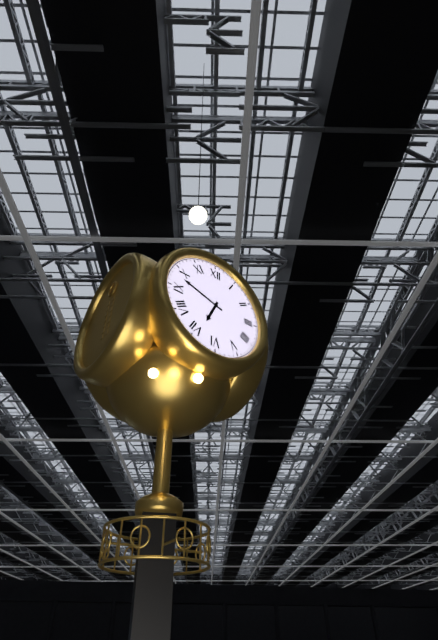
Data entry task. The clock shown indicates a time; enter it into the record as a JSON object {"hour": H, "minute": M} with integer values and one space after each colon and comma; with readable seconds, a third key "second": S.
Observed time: {"hour": 6, "minute": 48}
